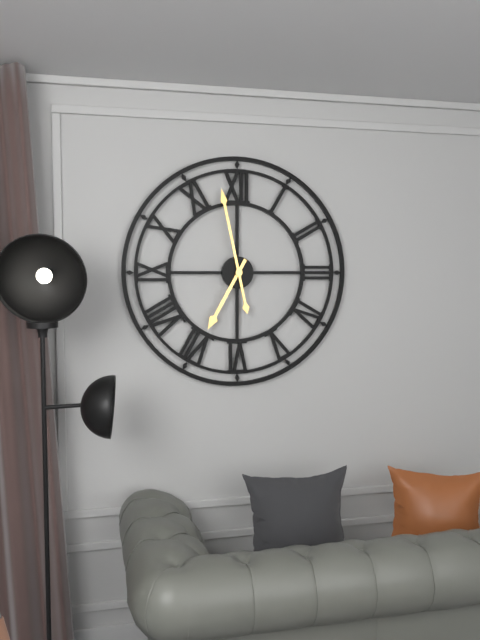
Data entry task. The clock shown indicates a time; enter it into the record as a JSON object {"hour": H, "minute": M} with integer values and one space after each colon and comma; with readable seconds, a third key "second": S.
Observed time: {"hour": 6, "minute": 58}
